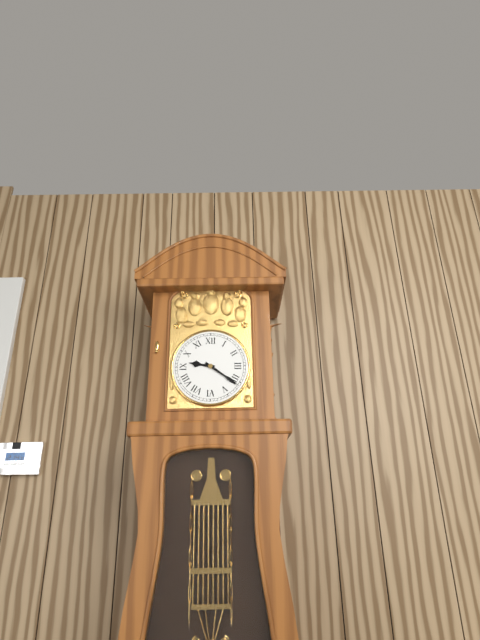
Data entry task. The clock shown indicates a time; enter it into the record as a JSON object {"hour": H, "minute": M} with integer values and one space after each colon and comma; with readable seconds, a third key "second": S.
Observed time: {"hour": 9, "minute": 21}
